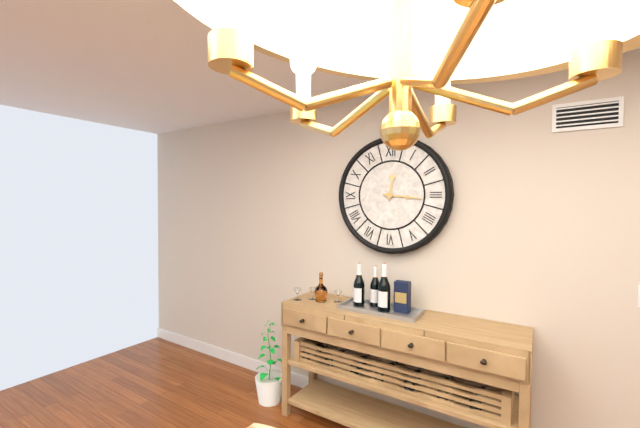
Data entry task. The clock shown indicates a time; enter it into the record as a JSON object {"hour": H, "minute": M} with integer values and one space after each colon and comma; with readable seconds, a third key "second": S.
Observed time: {"hour": 12, "minute": 16}
